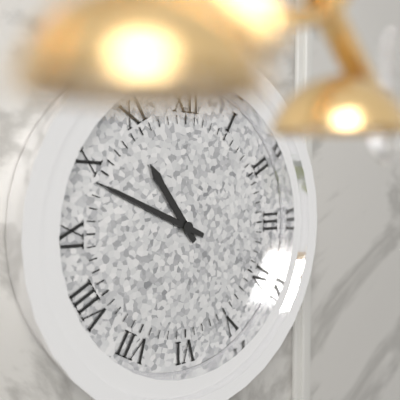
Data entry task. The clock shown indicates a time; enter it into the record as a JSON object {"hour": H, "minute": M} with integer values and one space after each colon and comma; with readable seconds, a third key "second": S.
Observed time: {"hour": 10, "minute": 49}
